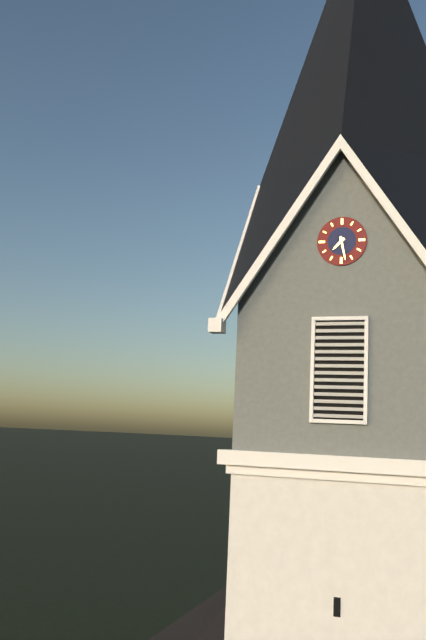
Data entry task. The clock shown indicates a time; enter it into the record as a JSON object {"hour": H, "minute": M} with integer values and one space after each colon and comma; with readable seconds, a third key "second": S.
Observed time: {"hour": 7, "minute": 28}
